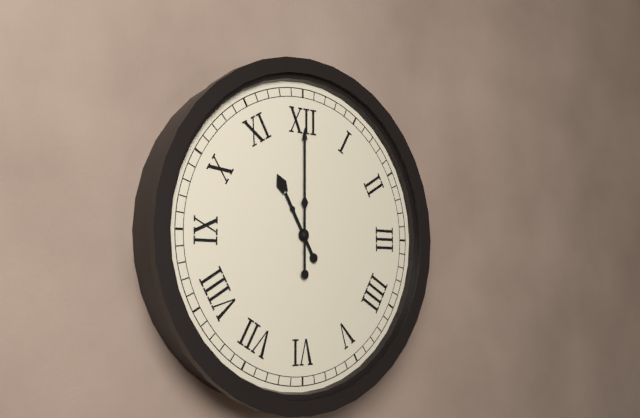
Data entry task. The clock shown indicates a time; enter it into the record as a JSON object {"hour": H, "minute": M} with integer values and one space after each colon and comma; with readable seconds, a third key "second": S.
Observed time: {"hour": 11, "minute": 0}
